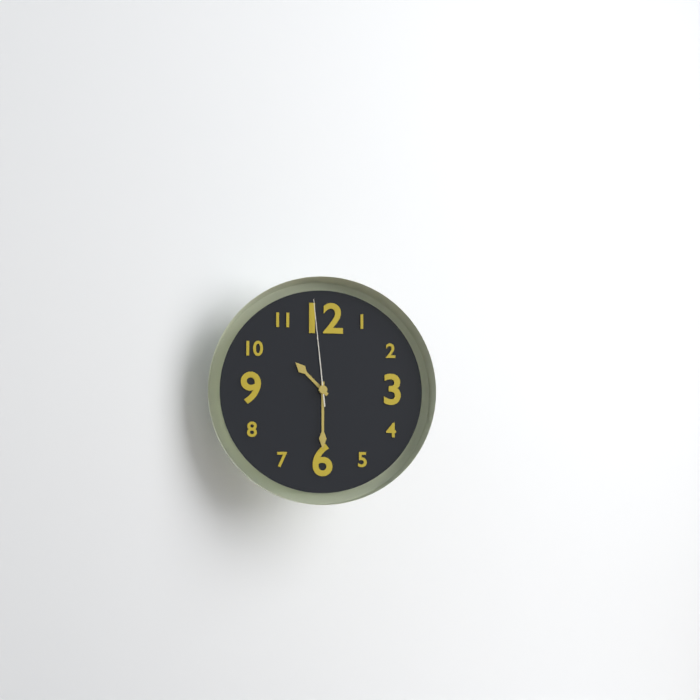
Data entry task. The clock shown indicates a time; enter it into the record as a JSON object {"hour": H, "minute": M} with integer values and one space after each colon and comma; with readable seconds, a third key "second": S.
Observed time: {"hour": 10, "minute": 30, "second": 59}
